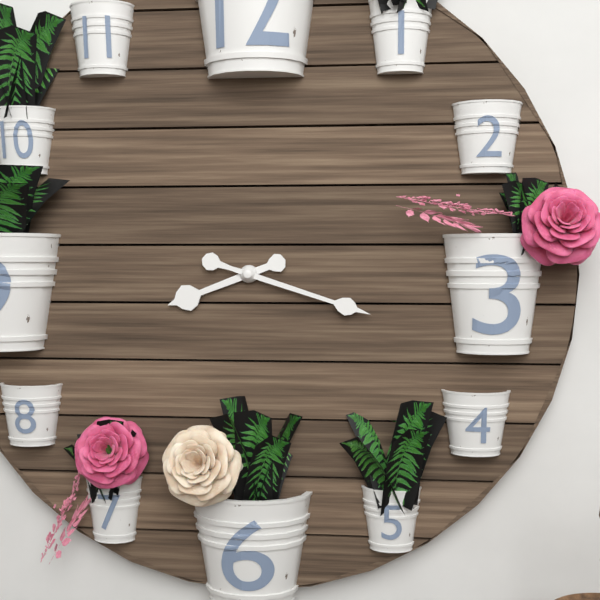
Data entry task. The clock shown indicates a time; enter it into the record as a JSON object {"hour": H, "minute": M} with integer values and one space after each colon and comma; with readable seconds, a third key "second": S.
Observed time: {"hour": 8, "minute": 18}
